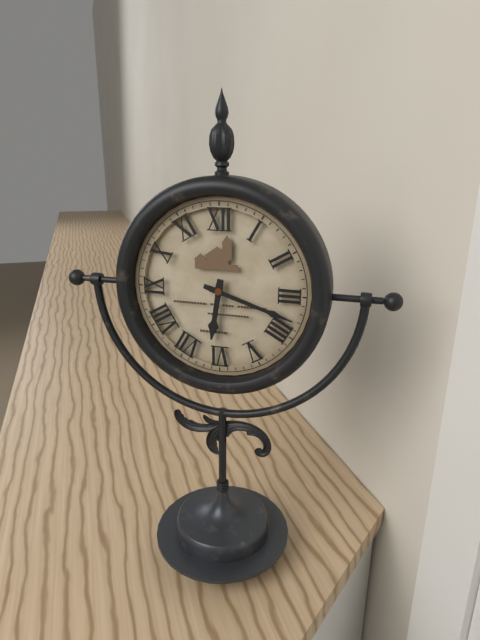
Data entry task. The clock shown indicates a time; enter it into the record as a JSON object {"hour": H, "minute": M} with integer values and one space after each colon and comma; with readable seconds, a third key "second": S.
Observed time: {"hour": 6, "minute": 18}
